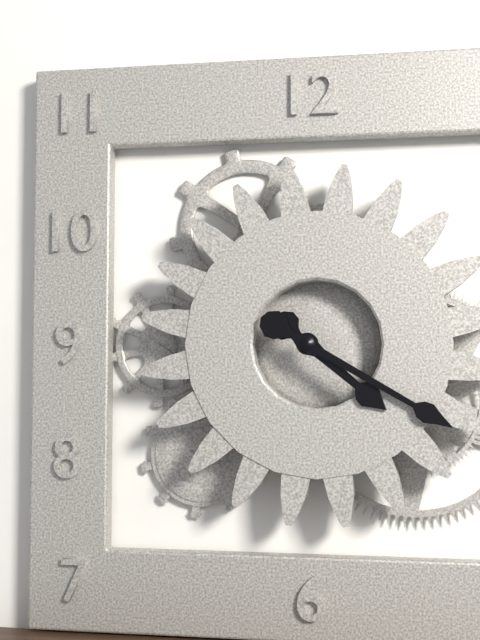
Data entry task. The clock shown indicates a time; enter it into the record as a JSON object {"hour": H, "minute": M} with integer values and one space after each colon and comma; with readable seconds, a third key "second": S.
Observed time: {"hour": 4, "minute": 20}
